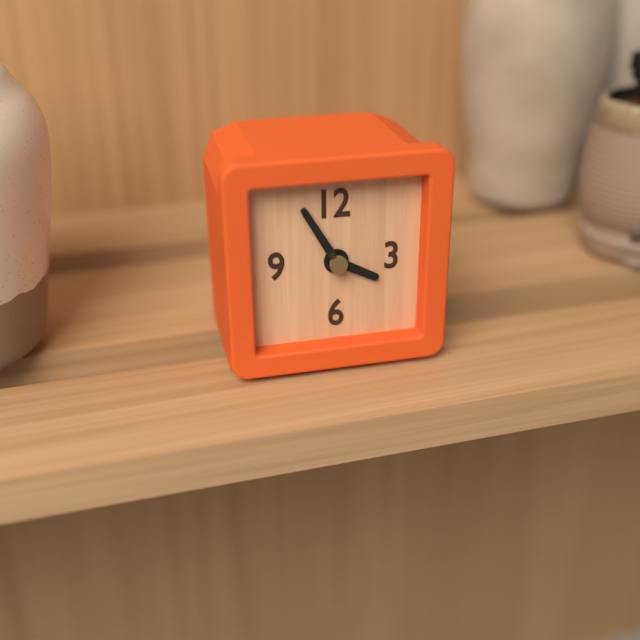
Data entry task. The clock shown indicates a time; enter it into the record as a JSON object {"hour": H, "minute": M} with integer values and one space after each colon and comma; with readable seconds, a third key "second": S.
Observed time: {"hour": 3, "minute": 55}
